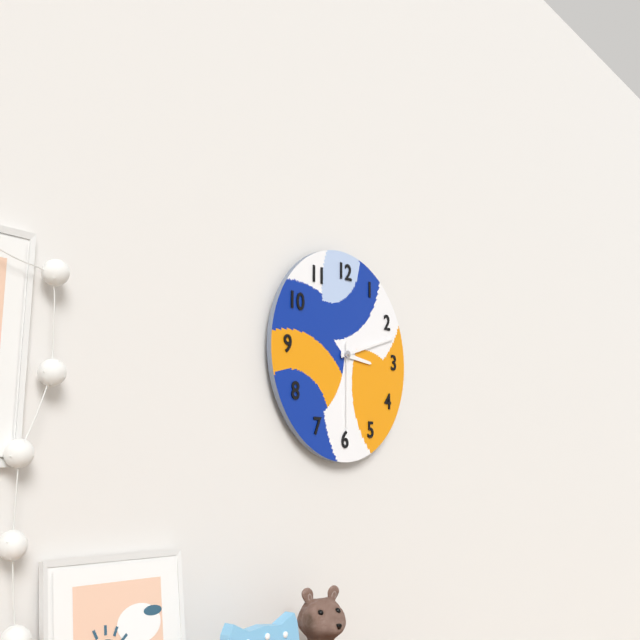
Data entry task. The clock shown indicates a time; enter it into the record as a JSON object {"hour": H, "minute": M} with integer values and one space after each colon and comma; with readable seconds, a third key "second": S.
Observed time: {"hour": 3, "minute": 12, "second": 30}
